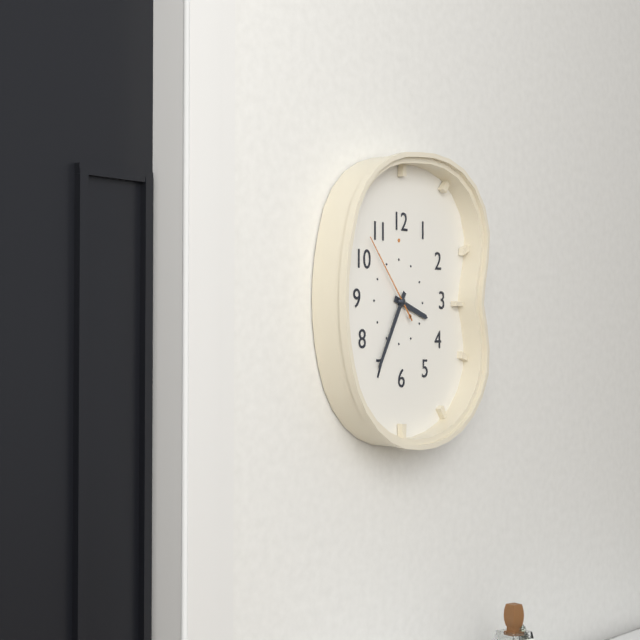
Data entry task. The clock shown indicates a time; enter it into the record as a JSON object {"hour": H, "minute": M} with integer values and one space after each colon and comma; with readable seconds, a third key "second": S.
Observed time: {"hour": 3, "minute": 35, "second": 53}
